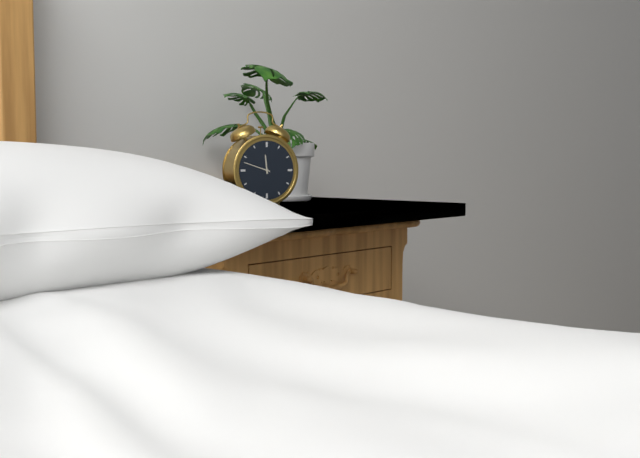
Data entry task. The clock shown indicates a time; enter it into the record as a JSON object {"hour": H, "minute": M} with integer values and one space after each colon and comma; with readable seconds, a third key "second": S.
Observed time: {"hour": 11, "minute": 48}
